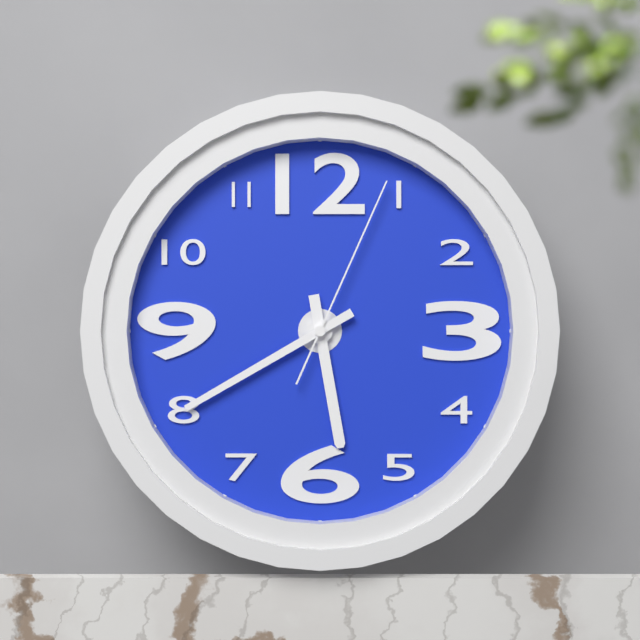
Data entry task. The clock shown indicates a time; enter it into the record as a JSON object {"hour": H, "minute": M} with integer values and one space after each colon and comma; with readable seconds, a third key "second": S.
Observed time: {"hour": 5, "minute": 40, "second": 4}
